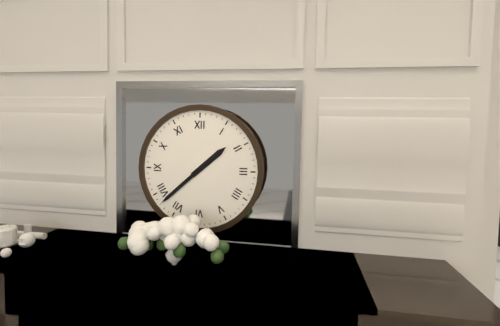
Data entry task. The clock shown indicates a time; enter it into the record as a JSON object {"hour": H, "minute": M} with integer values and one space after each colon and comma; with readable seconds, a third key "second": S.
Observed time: {"hour": 1, "minute": 38}
